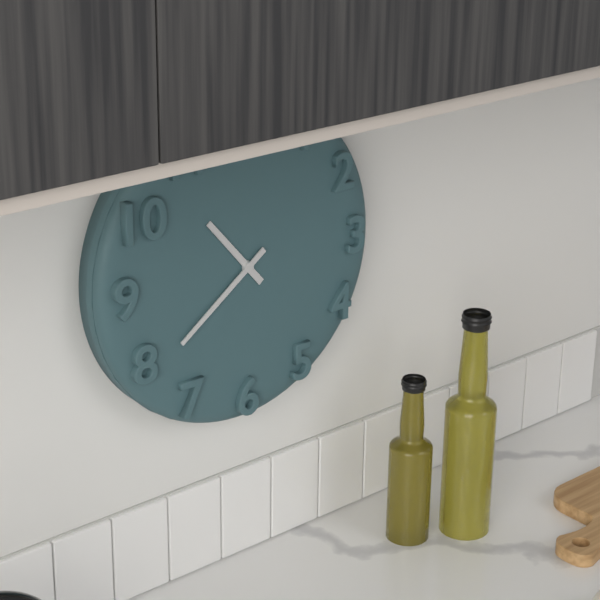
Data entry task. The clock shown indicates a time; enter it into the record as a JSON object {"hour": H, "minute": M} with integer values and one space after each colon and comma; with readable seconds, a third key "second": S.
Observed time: {"hour": 10, "minute": 39}
